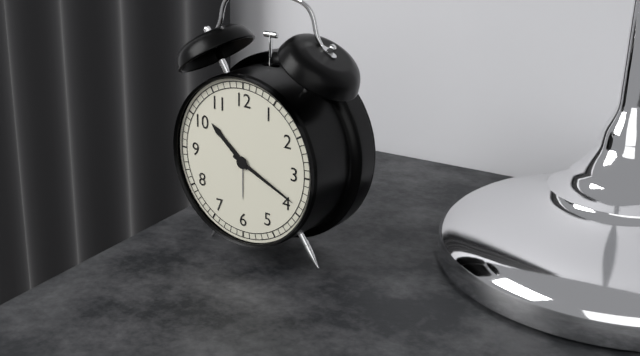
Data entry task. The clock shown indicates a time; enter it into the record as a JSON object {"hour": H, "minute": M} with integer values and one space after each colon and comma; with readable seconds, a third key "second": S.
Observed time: {"hour": 10, "minute": 19}
